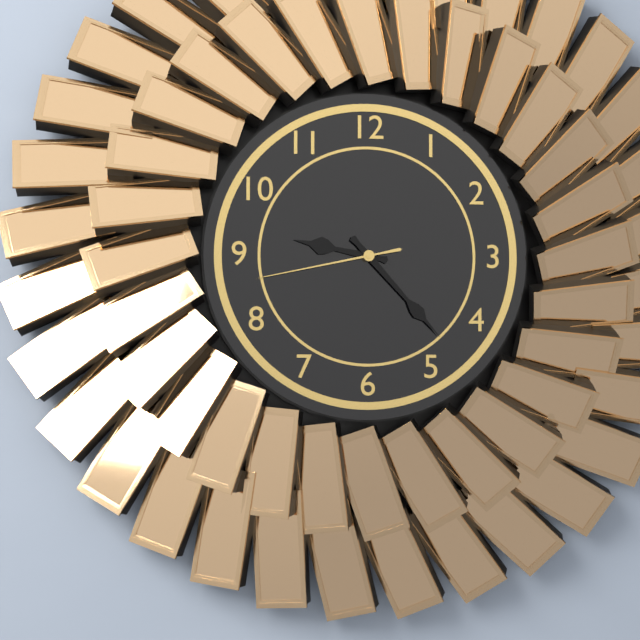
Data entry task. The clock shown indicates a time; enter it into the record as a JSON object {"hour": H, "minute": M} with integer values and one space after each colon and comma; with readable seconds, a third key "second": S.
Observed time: {"hour": 9, "minute": 23, "second": 43}
